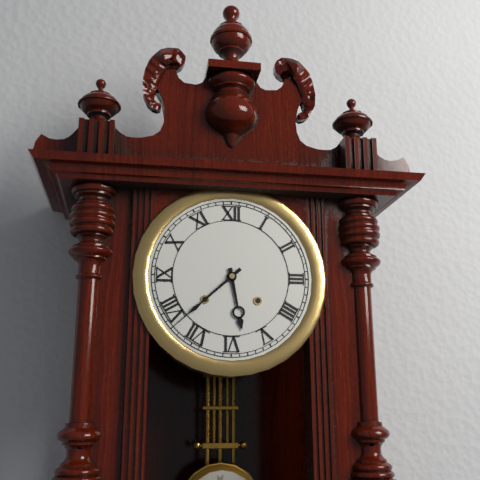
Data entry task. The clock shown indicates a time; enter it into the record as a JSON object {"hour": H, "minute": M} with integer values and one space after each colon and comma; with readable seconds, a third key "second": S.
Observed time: {"hour": 5, "minute": 38}
